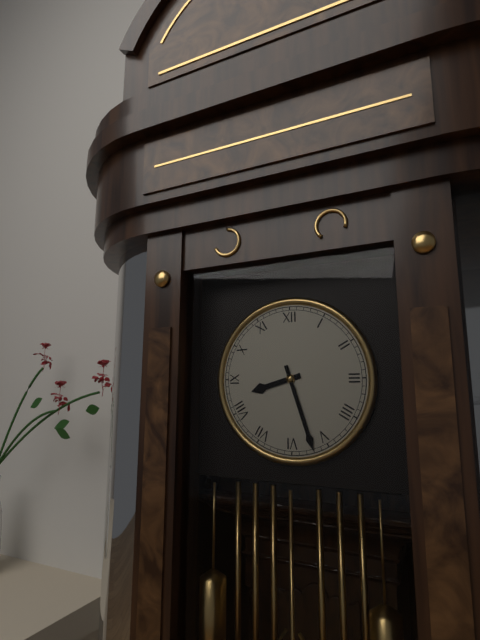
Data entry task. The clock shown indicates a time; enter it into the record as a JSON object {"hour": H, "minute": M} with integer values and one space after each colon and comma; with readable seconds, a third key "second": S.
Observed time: {"hour": 8, "minute": 27}
